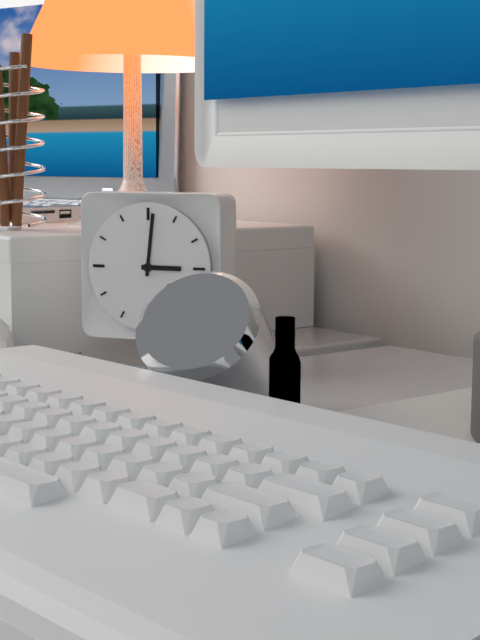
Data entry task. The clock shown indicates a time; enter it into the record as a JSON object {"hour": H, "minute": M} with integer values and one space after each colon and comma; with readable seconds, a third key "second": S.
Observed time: {"hour": 3, "minute": 1}
